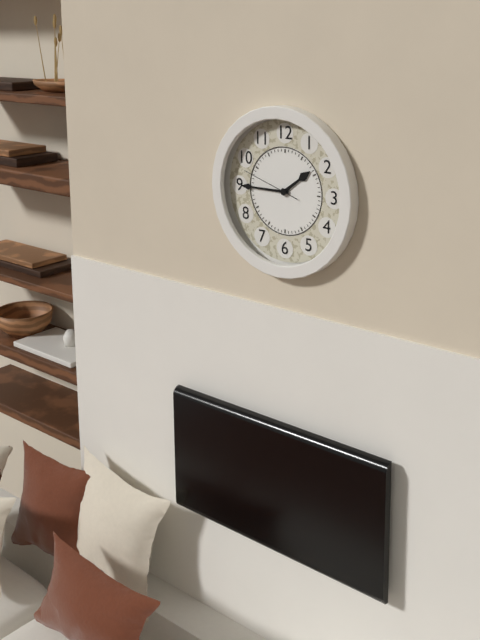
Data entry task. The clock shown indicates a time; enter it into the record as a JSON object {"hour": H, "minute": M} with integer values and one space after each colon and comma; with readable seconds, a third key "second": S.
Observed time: {"hour": 1, "minute": 45, "second": 48}
